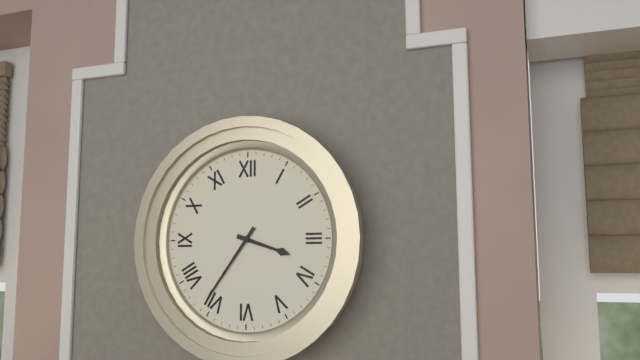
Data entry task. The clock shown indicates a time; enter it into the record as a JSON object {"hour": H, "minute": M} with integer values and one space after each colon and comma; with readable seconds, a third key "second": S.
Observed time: {"hour": 3, "minute": 36}
